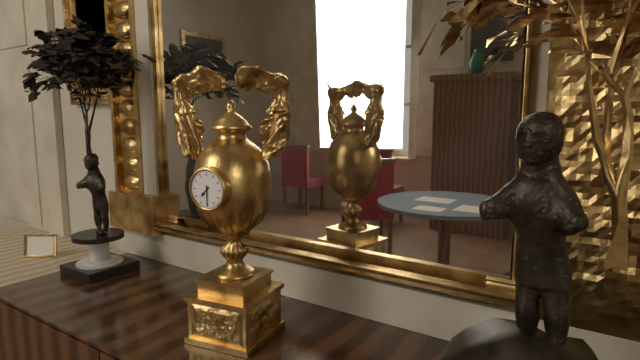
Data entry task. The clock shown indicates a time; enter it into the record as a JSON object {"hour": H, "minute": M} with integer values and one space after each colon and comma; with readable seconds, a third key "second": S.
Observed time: {"hour": 7, "minute": 30}
